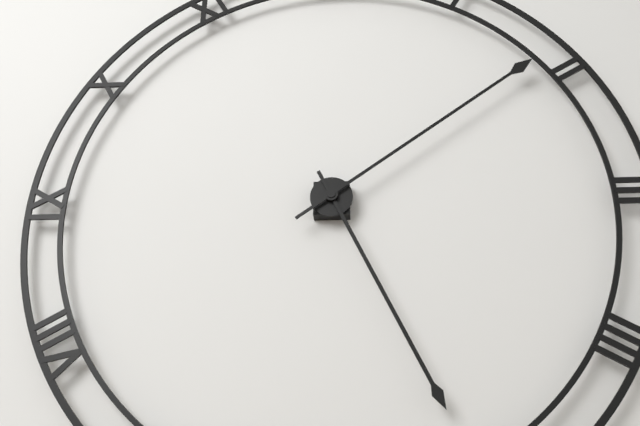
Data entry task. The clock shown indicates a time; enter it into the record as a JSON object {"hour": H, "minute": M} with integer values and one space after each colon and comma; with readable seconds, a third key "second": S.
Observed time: {"hour": 5, "minute": 9}
